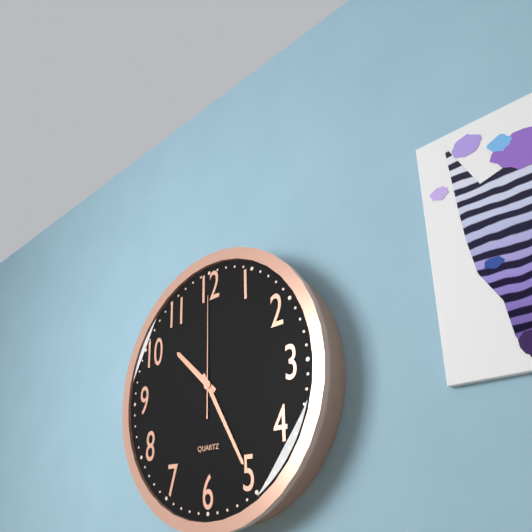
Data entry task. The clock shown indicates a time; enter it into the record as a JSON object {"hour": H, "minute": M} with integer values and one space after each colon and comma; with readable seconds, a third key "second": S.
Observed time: {"hour": 10, "minute": 25, "second": 0}
